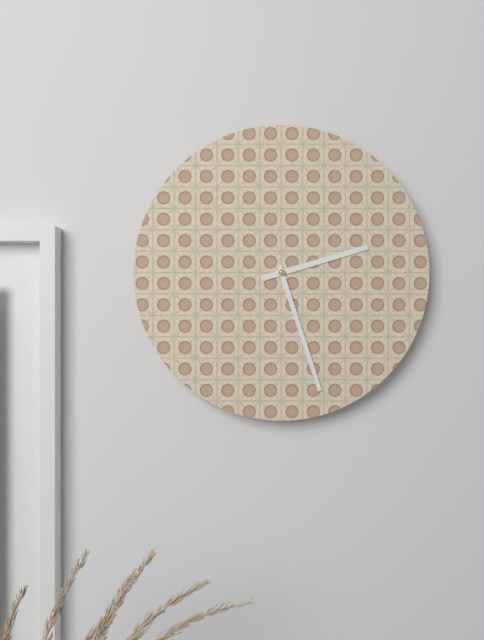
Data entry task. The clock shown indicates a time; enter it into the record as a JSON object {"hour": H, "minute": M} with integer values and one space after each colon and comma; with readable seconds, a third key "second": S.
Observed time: {"hour": 2, "minute": 27}
